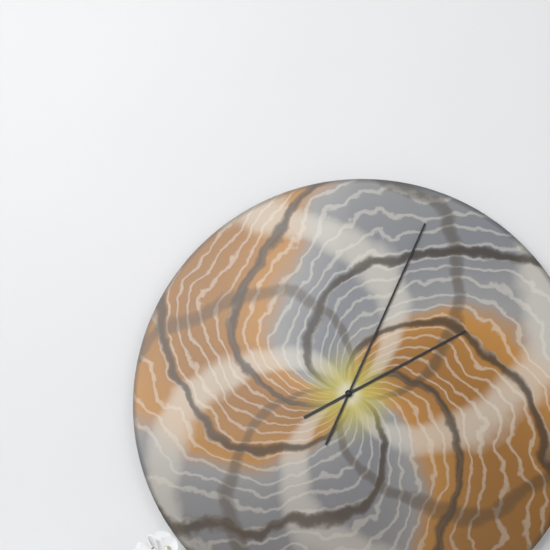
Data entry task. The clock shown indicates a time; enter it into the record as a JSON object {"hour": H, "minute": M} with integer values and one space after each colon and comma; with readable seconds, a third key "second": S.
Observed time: {"hour": 2, "minute": 4}
